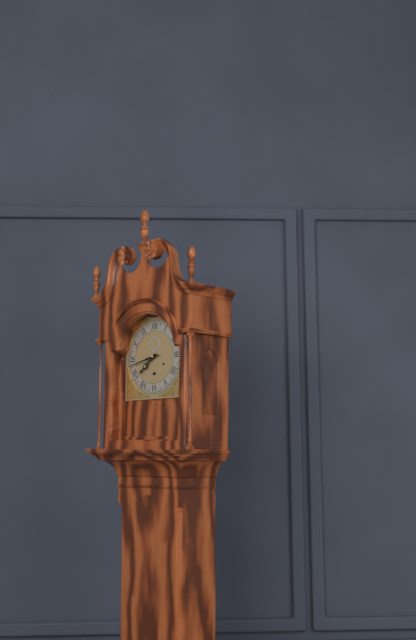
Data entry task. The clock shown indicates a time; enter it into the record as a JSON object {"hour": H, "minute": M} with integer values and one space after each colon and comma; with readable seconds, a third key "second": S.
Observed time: {"hour": 7, "minute": 43}
